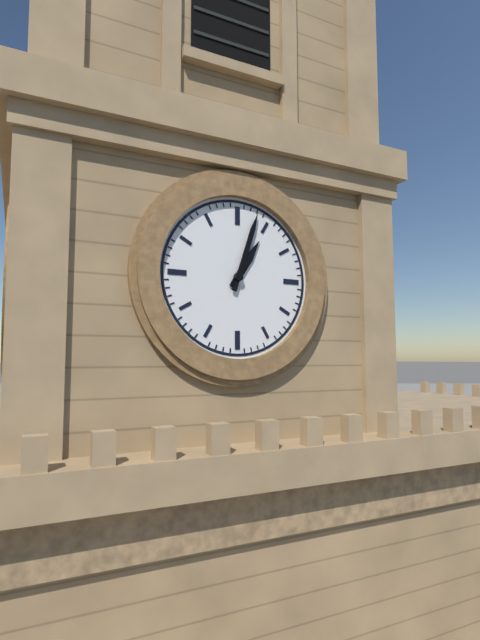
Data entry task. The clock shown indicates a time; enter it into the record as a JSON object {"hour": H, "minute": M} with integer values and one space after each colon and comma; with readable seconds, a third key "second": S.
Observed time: {"hour": 1, "minute": 3}
